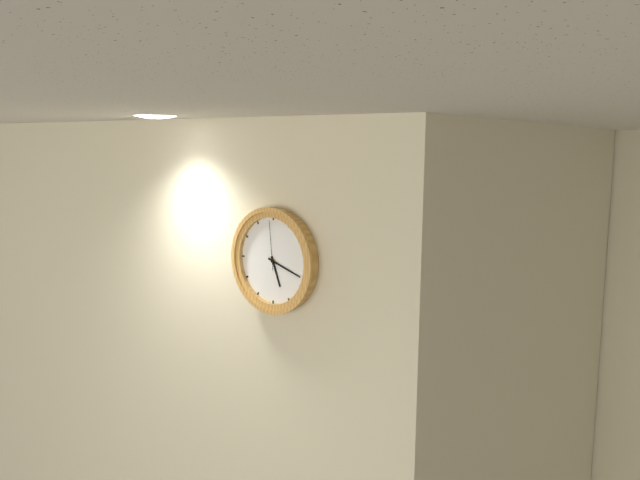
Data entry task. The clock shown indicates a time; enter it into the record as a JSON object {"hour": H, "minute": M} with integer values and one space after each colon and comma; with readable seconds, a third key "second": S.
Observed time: {"hour": 5, "minute": 18, "second": 59}
